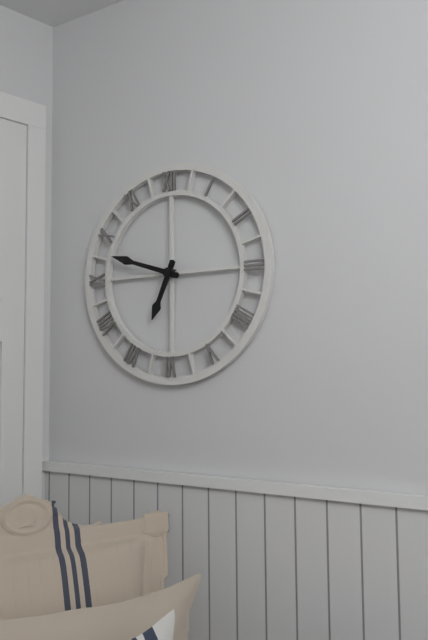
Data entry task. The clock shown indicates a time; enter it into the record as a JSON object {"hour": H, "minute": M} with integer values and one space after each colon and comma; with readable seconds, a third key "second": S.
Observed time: {"hour": 6, "minute": 48}
